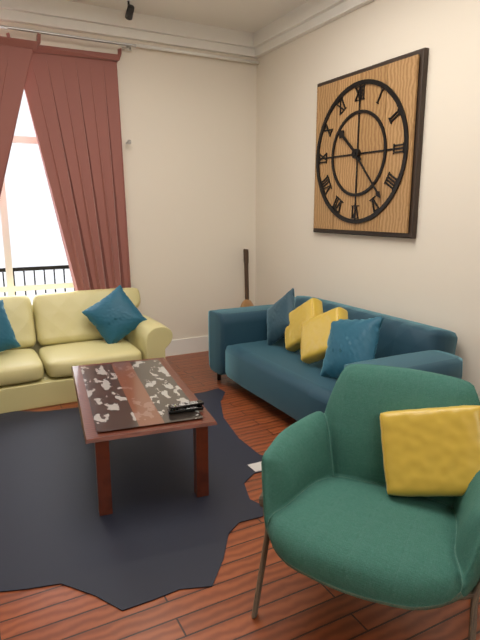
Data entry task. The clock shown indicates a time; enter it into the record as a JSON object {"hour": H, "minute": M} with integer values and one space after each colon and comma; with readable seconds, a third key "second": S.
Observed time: {"hour": 10, "minute": 23}
